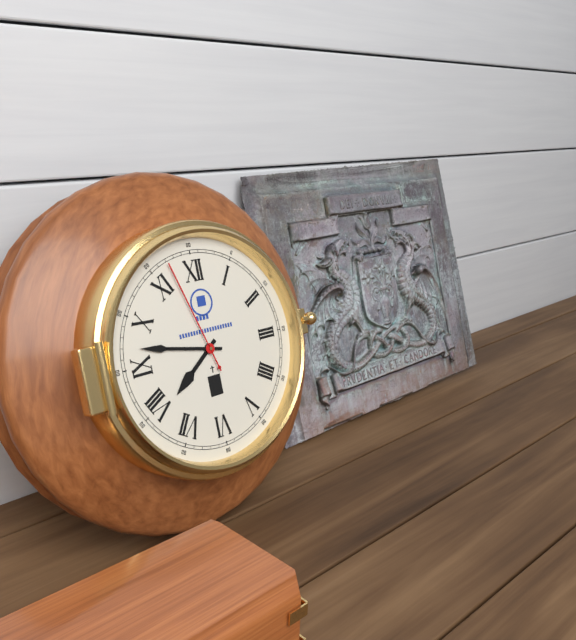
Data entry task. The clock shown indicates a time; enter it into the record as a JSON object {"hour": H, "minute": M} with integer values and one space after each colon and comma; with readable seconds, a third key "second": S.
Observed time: {"hour": 7, "minute": 47, "second": 57}
